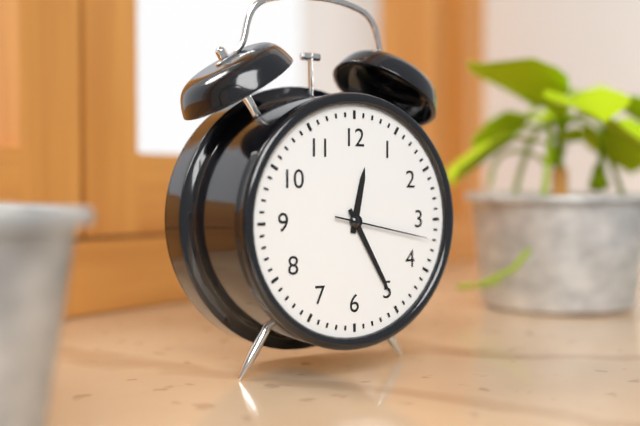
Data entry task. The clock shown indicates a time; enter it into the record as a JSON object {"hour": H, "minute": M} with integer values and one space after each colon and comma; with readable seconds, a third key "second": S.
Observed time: {"hour": 12, "minute": 25, "second": 17}
